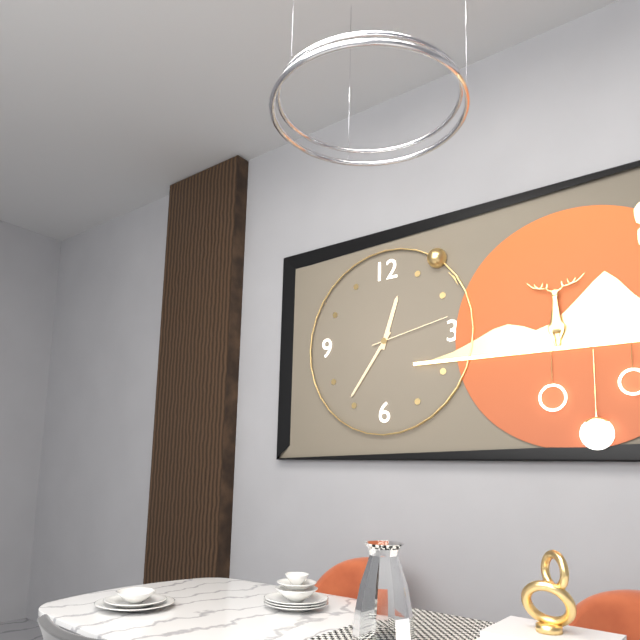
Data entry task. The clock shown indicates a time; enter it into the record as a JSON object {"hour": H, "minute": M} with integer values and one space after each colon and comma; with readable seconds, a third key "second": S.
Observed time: {"hour": 12, "minute": 36, "second": 13}
